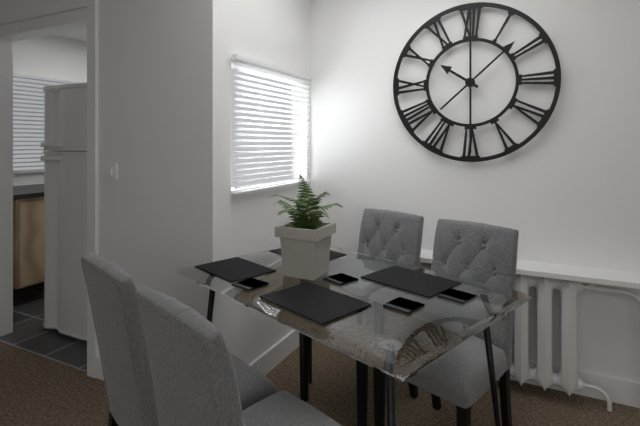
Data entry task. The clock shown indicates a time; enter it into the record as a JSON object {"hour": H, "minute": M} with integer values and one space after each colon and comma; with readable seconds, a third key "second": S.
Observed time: {"hour": 10, "minute": 8}
